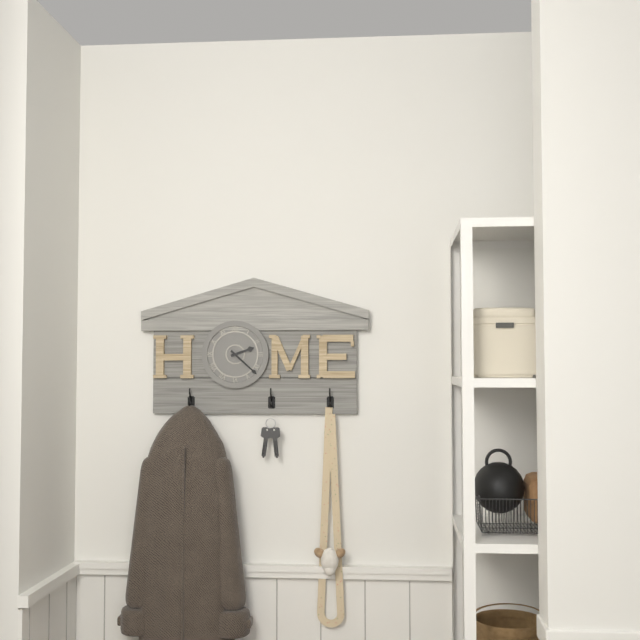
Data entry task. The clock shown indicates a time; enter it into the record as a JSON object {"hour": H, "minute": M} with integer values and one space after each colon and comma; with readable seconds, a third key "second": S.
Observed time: {"hour": 2, "minute": 22}
